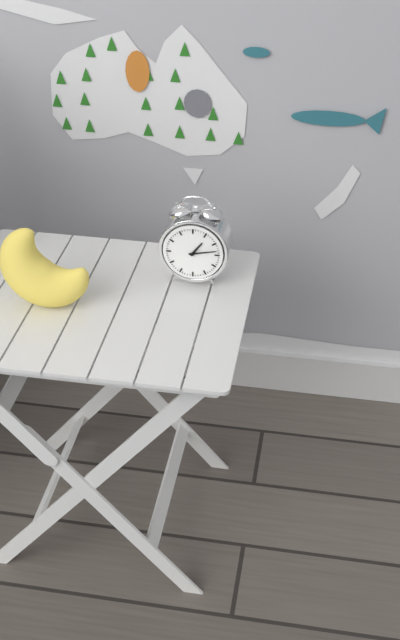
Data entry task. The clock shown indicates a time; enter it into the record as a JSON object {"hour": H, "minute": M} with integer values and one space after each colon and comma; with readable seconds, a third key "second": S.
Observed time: {"hour": 1, "minute": 13}
